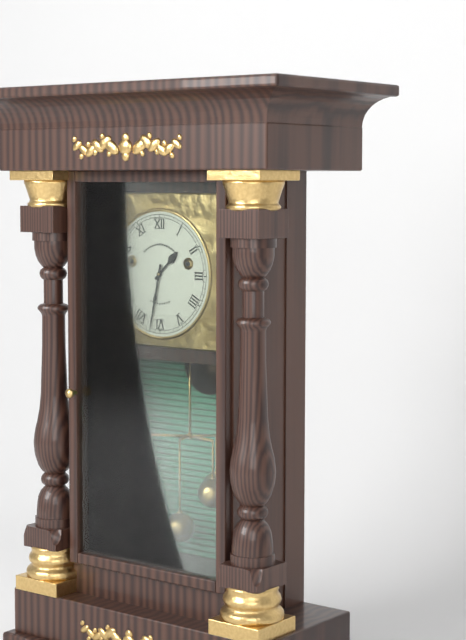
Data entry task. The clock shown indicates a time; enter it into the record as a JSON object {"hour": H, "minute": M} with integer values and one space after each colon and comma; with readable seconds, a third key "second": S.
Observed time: {"hour": 1, "minute": 32}
